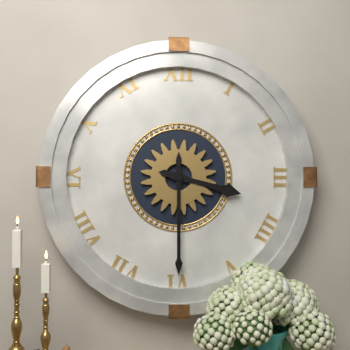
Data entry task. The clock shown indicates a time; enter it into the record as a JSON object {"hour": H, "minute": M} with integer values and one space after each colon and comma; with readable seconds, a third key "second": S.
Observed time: {"hour": 3, "minute": 30}
